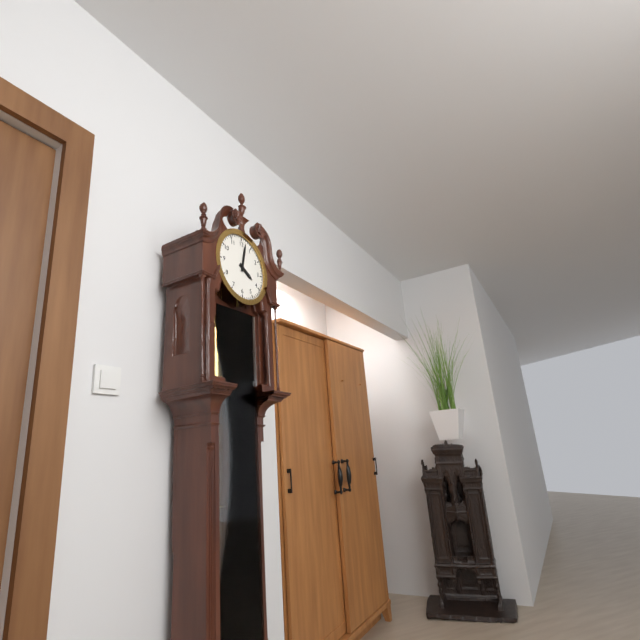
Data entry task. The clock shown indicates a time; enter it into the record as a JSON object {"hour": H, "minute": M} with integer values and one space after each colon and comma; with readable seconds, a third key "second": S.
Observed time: {"hour": 4, "minute": 2}
